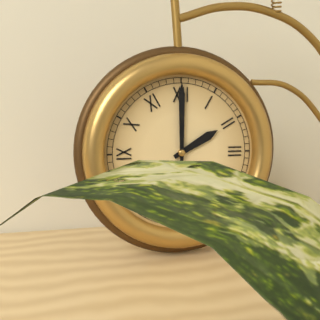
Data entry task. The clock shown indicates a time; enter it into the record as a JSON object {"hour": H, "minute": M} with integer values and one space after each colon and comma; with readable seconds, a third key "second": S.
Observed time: {"hour": 2, "minute": 0}
